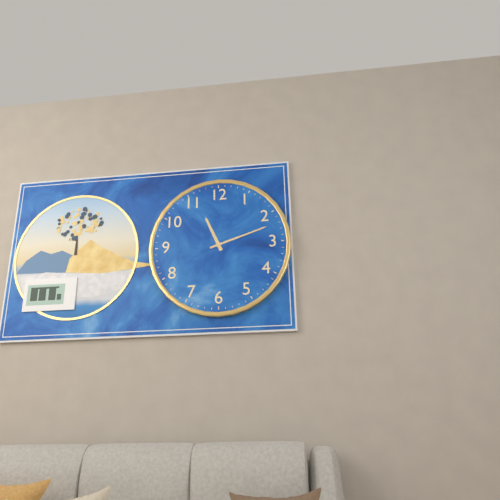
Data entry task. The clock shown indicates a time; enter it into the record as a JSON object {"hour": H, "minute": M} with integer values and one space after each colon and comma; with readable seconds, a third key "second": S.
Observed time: {"hour": 11, "minute": 12}
